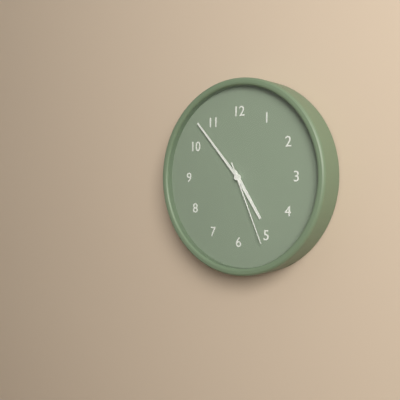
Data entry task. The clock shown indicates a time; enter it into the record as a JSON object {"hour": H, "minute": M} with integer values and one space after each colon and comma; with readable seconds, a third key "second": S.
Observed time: {"hour": 4, "minute": 53, "second": 26}
